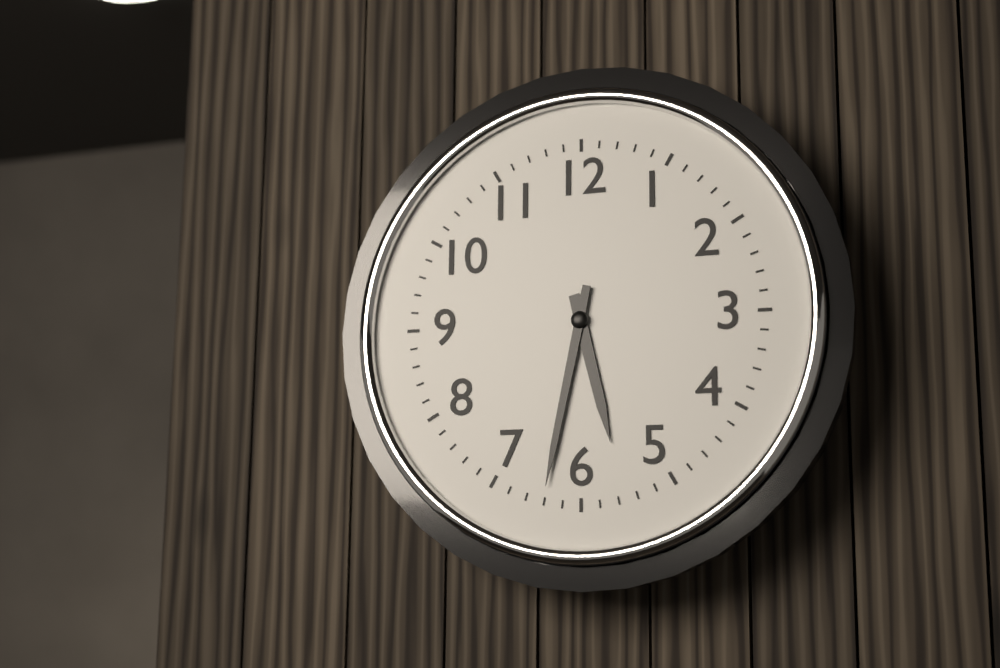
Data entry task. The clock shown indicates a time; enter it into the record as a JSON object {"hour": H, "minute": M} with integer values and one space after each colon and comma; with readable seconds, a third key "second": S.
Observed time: {"hour": 5, "minute": 32}
